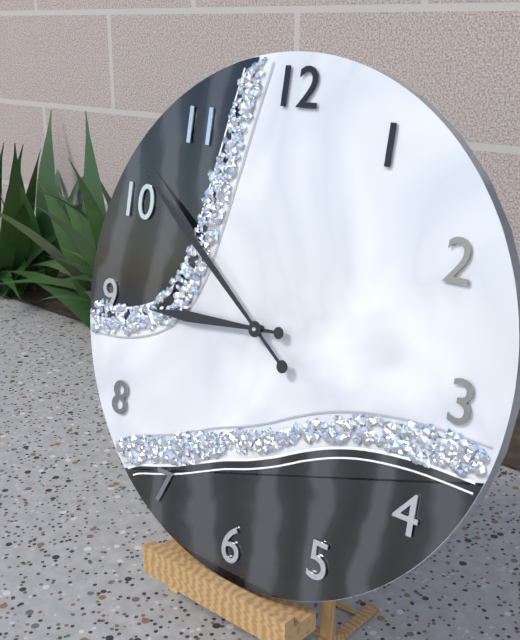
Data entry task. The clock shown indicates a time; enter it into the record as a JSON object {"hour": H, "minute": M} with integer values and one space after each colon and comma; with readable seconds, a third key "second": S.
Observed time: {"hour": 8, "minute": 51}
